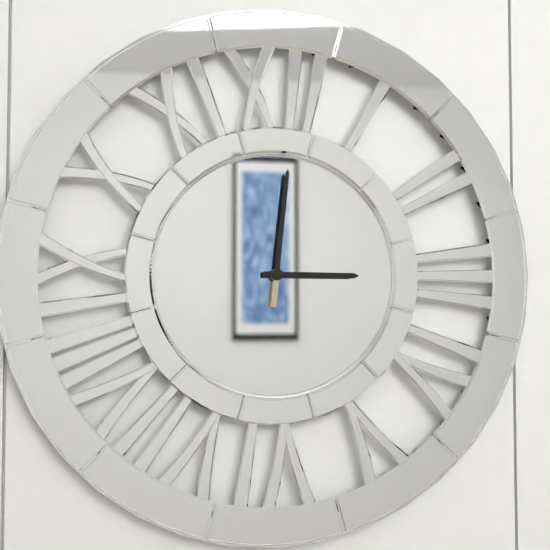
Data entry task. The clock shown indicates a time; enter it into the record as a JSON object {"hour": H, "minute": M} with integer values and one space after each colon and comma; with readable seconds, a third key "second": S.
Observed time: {"hour": 3, "minute": 1}
